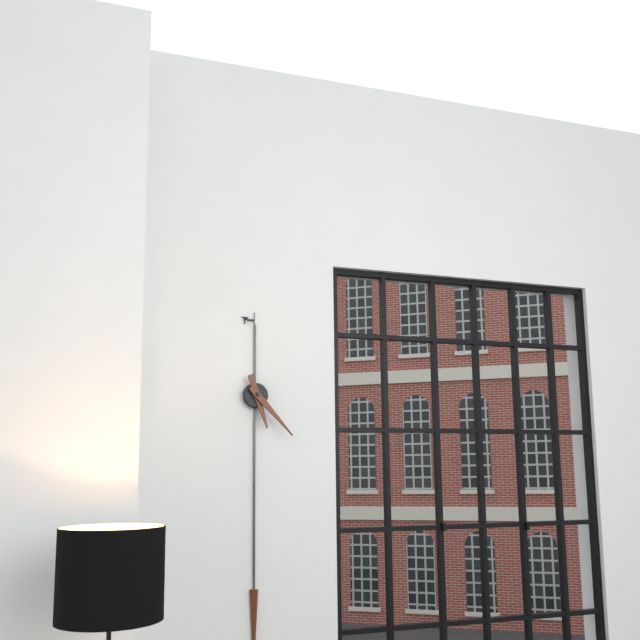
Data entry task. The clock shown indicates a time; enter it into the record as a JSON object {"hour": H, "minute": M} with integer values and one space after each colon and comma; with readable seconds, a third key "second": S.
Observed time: {"hour": 5, "minute": 23}
